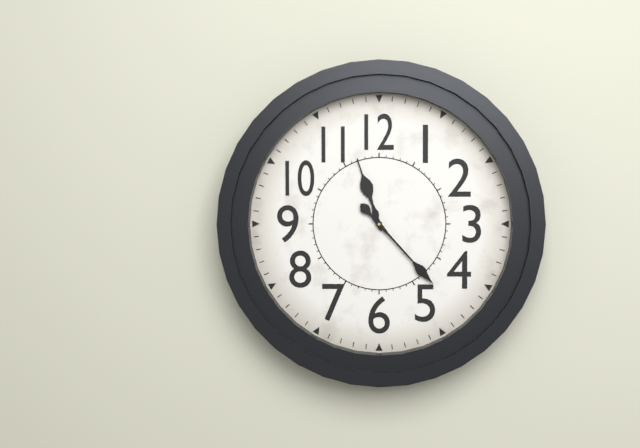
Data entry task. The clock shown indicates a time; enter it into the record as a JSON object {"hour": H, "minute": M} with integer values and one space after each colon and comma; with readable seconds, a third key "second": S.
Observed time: {"hour": 11, "minute": 23}
